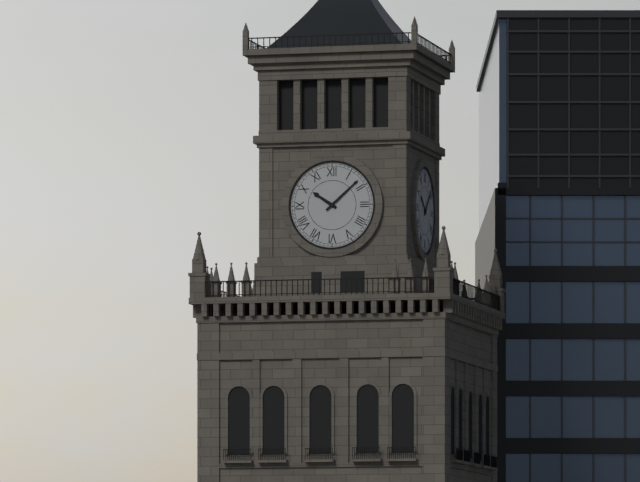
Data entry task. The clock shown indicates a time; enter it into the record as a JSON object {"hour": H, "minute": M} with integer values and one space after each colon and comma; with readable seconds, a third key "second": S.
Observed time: {"hour": 10, "minute": 8}
